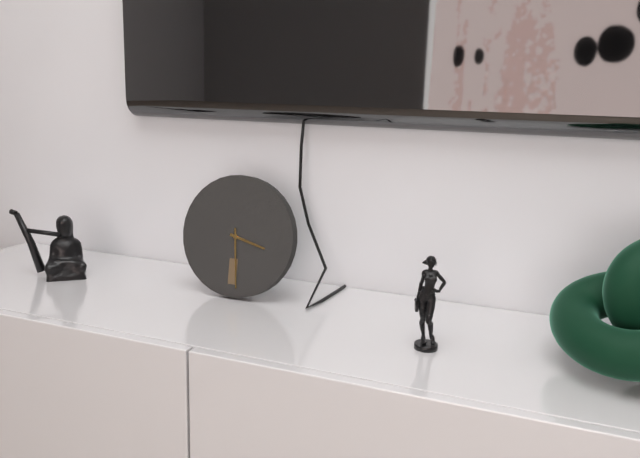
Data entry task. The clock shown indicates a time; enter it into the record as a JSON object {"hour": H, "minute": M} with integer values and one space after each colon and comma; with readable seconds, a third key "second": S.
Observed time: {"hour": 3, "minute": 29}
